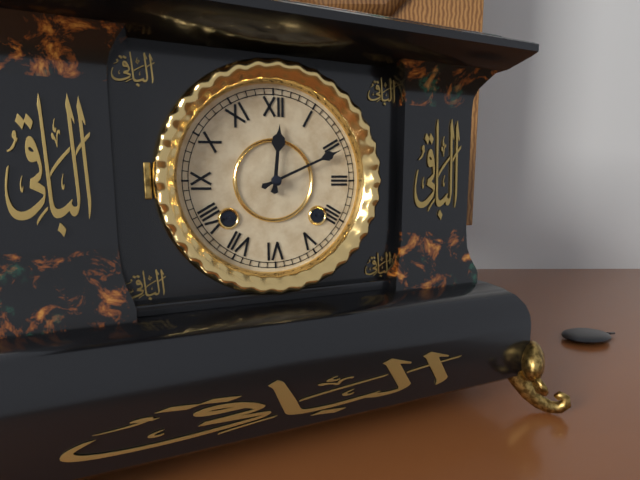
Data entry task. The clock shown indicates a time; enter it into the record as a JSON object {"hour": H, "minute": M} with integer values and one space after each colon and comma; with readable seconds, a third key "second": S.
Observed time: {"hour": 12, "minute": 11}
